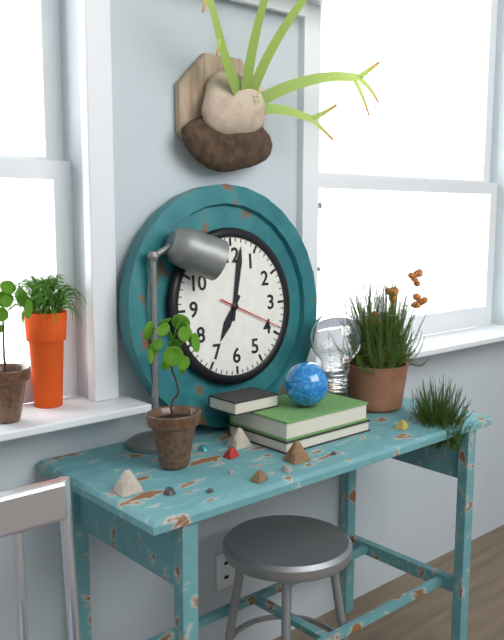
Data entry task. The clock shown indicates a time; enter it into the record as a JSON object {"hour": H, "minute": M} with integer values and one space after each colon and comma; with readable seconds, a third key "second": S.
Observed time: {"hour": 7, "minute": 2, "second": 19}
